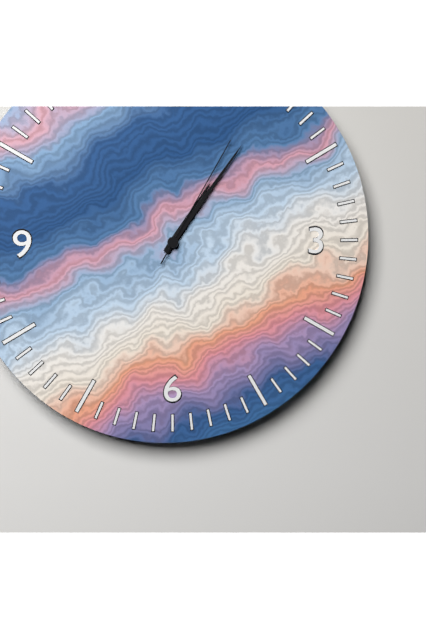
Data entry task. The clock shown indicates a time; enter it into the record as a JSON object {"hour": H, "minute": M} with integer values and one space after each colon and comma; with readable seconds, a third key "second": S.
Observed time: {"hour": 1, "minute": 6, "second": 5}
